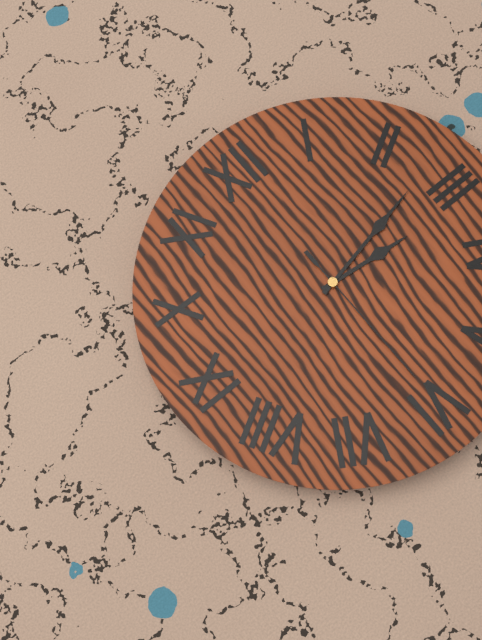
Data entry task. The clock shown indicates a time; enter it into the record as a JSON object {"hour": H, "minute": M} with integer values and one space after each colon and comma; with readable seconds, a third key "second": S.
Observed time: {"hour": 3, "minute": 13, "second": 30}
